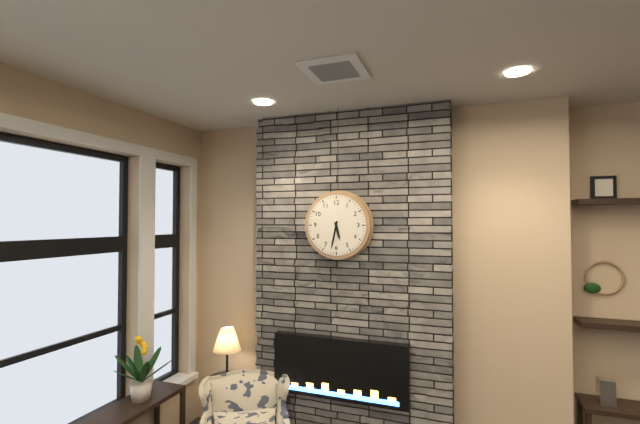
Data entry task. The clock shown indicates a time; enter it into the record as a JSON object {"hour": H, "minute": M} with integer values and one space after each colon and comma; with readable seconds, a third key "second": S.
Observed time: {"hour": 5, "minute": 32}
